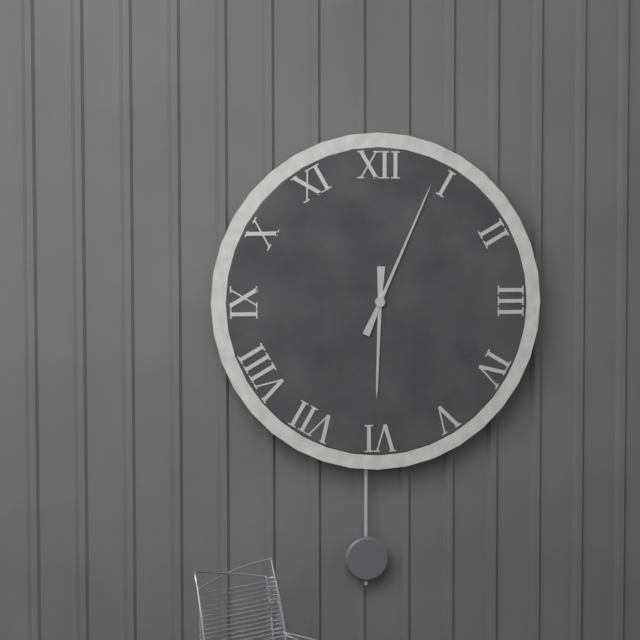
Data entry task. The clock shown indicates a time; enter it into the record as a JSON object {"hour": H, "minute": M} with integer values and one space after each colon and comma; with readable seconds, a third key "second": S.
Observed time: {"hour": 6, "minute": 4}
